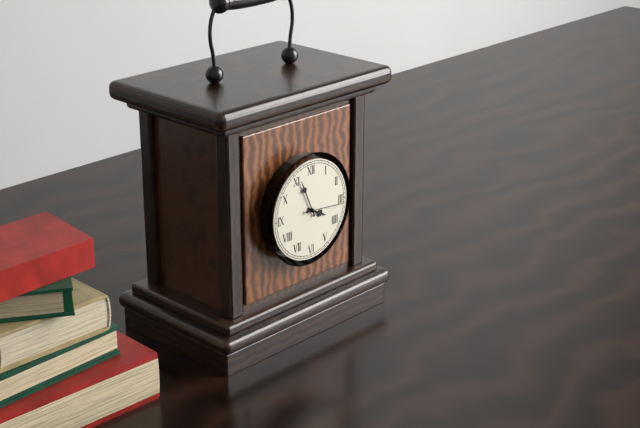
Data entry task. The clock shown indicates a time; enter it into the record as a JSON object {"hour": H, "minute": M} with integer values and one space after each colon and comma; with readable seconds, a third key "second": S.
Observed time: {"hour": 3, "minute": 56}
